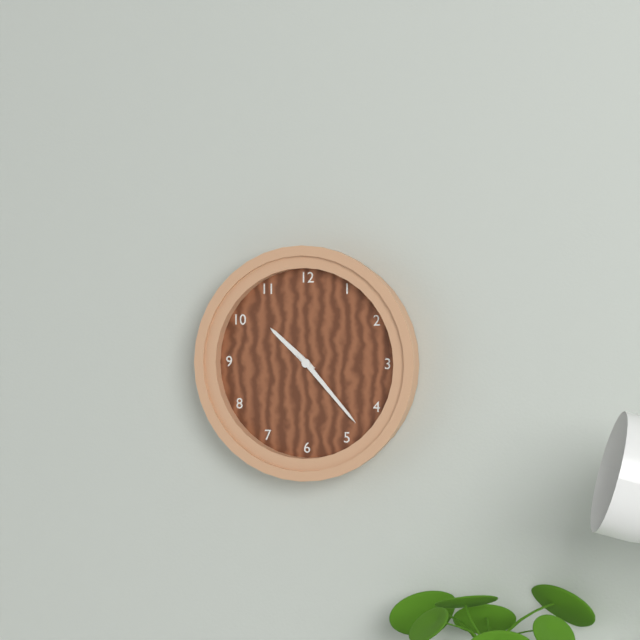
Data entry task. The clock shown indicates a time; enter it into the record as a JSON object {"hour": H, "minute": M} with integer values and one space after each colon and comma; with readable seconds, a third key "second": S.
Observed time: {"hour": 10, "minute": 23}
